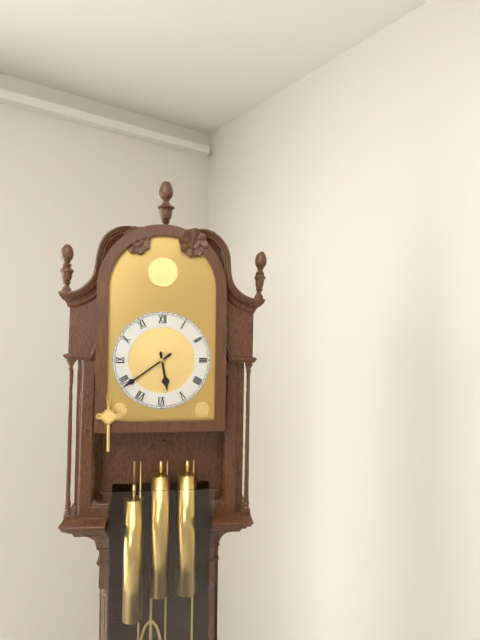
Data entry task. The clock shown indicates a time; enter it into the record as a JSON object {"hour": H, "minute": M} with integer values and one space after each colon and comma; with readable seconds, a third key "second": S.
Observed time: {"hour": 5, "minute": 39}
